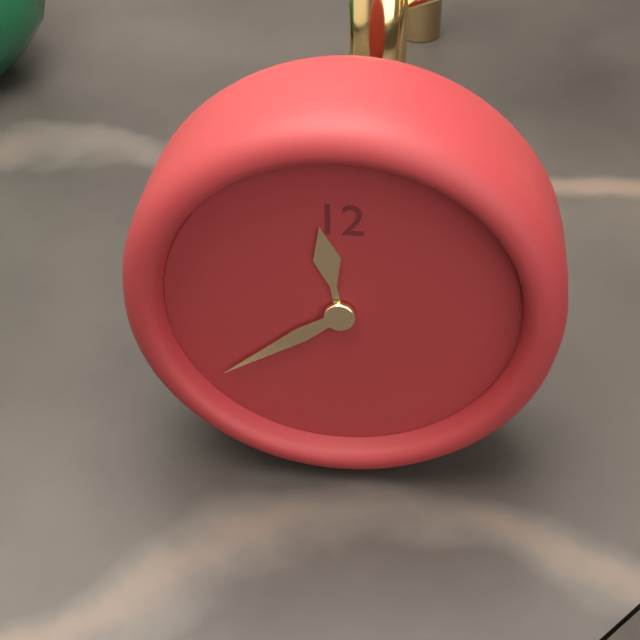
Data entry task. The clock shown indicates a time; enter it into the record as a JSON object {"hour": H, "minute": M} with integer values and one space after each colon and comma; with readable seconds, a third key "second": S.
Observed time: {"hour": 11, "minute": 39}
